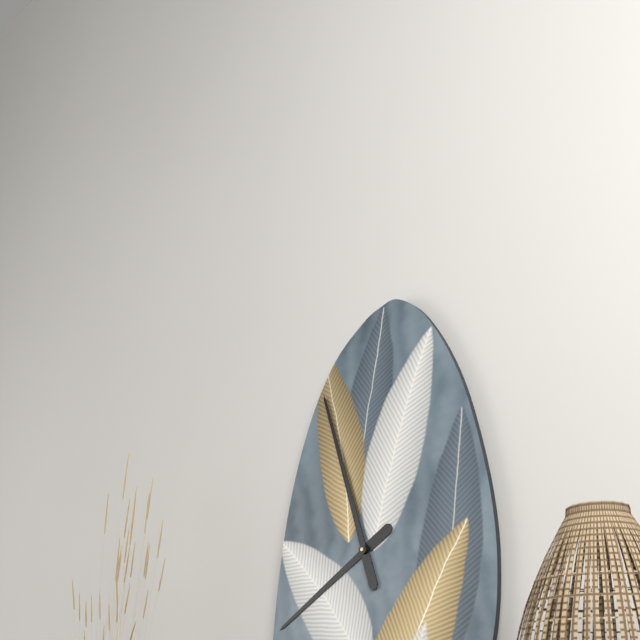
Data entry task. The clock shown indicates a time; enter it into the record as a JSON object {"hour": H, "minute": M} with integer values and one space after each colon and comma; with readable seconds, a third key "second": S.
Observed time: {"hour": 7, "minute": 57}
